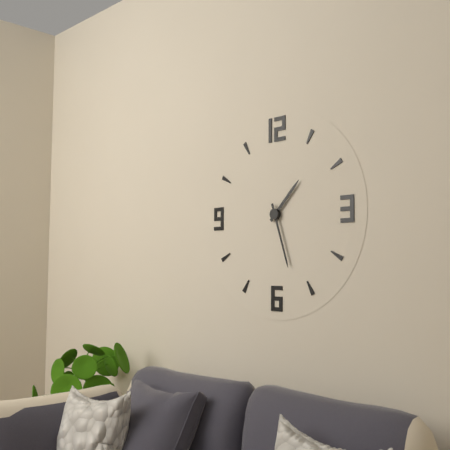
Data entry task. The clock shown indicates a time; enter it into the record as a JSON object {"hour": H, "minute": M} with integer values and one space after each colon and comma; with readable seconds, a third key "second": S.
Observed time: {"hour": 1, "minute": 27}
